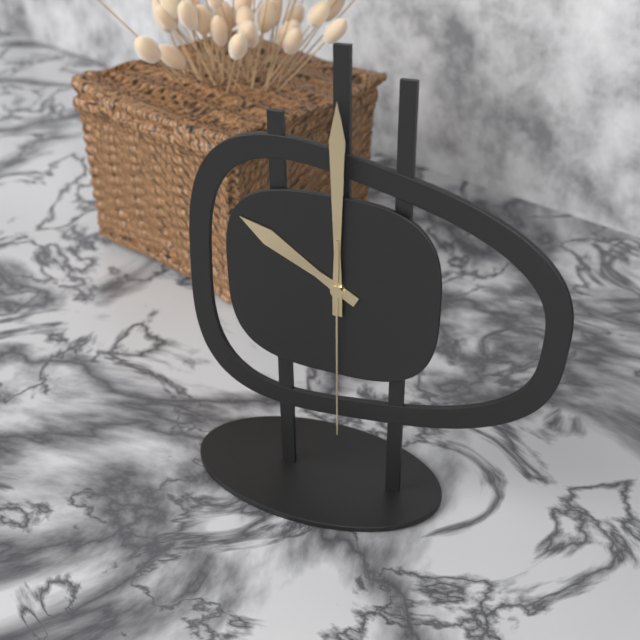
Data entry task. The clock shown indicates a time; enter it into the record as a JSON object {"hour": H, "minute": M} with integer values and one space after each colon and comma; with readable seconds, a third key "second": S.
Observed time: {"hour": 10, "minute": 0, "second": 30}
